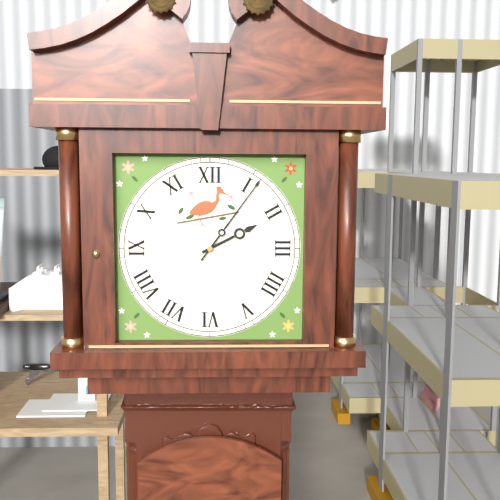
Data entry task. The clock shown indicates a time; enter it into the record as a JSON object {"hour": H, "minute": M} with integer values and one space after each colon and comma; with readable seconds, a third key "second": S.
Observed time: {"hour": 2, "minute": 6}
